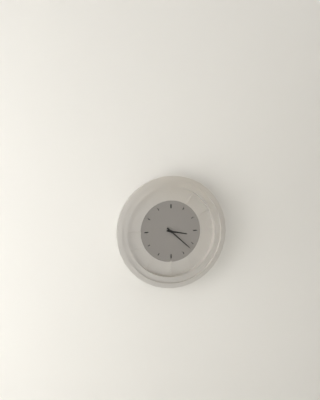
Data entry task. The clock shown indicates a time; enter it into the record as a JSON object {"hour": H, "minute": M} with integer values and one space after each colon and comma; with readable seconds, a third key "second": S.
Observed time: {"hour": 3, "minute": 22}
